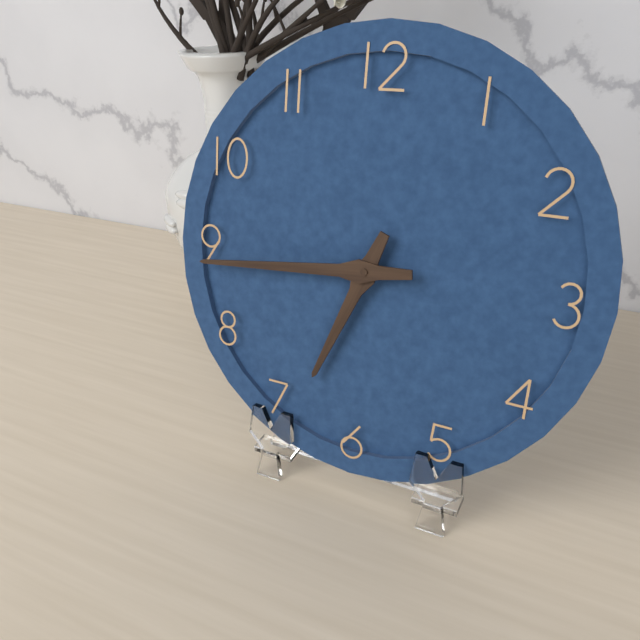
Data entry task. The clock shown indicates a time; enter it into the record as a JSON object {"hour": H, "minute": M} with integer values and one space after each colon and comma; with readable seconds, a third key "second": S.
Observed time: {"hour": 6, "minute": 44}
